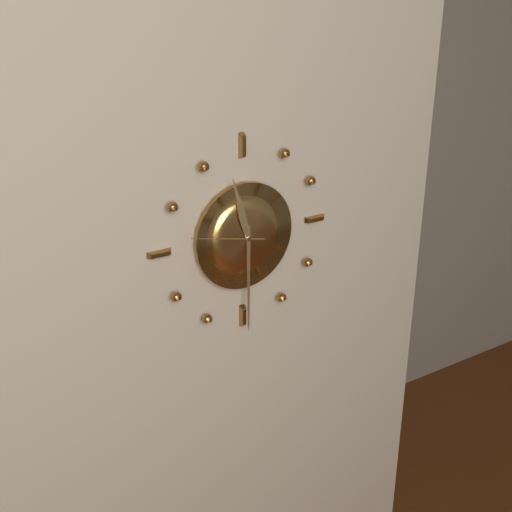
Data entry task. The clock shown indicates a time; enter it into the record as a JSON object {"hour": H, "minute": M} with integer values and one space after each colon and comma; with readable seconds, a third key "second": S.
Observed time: {"hour": 11, "minute": 30, "second": 47}
